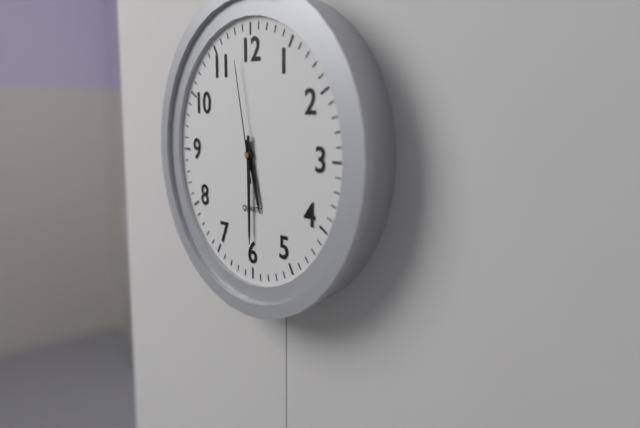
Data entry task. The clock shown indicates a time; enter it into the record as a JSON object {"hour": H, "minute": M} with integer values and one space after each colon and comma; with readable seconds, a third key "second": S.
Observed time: {"hour": 5, "minute": 30, "second": 58}
